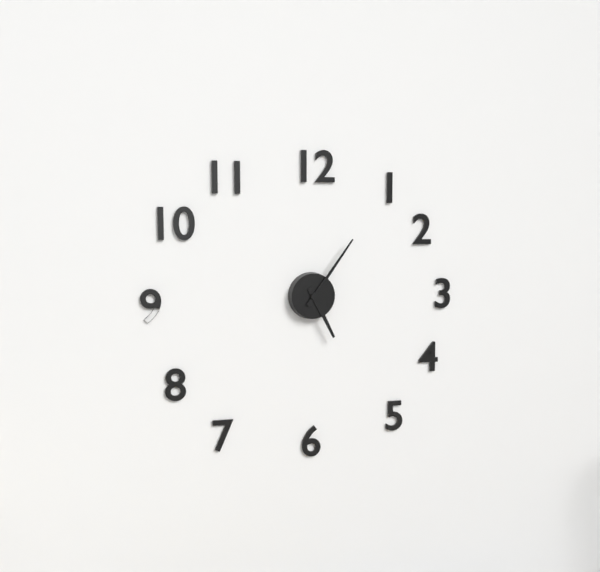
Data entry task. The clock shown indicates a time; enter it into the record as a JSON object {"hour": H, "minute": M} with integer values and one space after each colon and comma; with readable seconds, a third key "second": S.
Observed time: {"hour": 5, "minute": 6}
